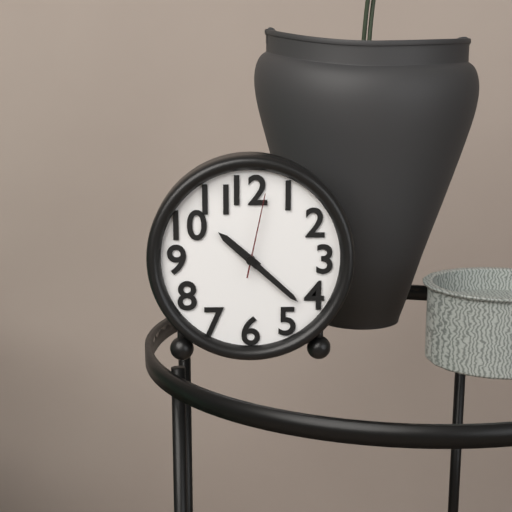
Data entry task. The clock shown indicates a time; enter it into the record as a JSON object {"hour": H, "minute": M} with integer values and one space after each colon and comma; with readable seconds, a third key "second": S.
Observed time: {"hour": 10, "minute": 22, "second": 2}
